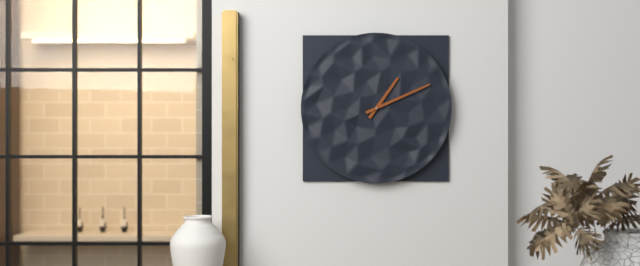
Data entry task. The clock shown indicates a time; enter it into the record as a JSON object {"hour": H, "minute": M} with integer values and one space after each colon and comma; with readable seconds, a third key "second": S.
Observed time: {"hour": 1, "minute": 11}
